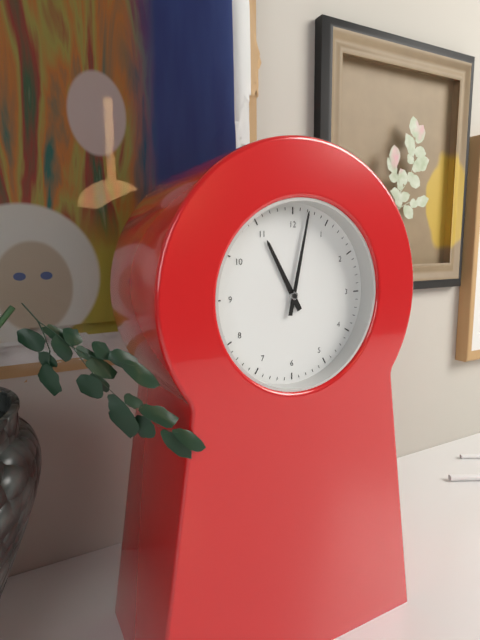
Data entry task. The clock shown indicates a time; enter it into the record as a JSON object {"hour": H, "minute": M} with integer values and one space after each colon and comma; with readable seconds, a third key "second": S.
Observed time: {"hour": 11, "minute": 2}
